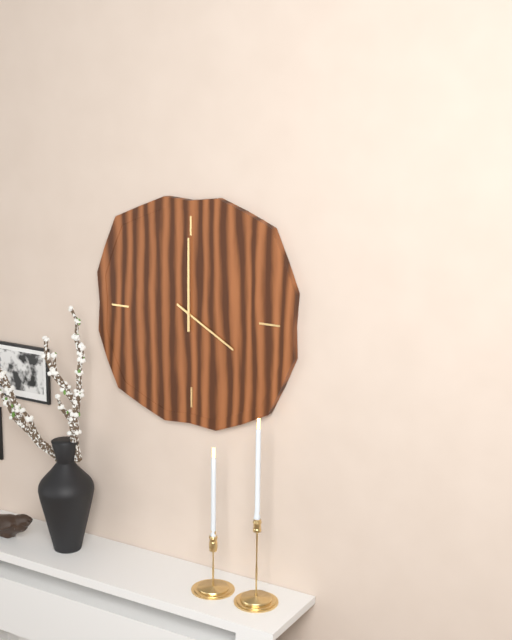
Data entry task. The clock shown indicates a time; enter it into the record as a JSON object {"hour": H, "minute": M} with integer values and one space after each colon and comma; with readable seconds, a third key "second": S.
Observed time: {"hour": 4, "minute": 0}
